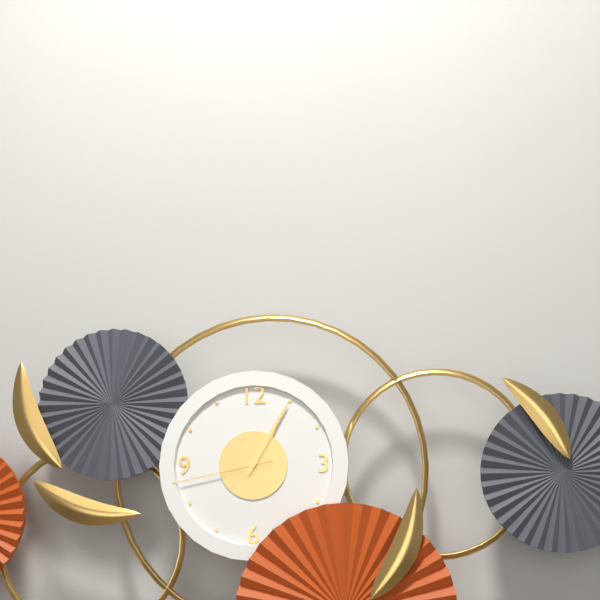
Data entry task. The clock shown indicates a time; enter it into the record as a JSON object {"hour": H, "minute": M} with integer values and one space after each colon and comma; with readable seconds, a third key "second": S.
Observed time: {"hour": 1, "minute": 5, "second": 43}
